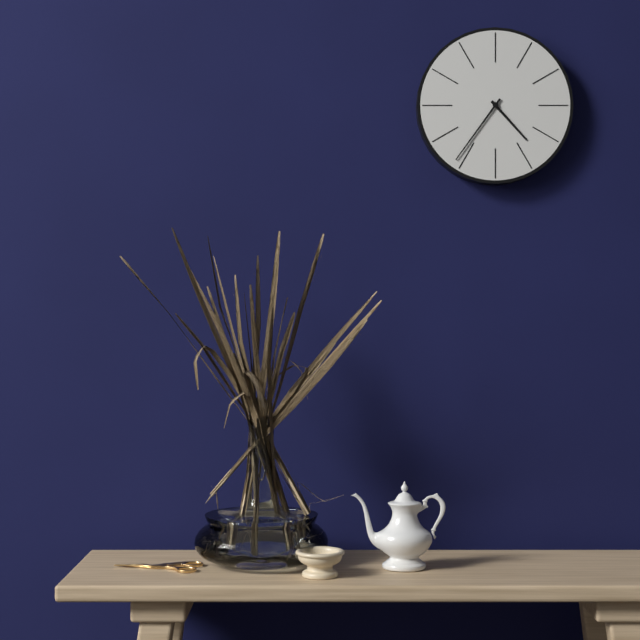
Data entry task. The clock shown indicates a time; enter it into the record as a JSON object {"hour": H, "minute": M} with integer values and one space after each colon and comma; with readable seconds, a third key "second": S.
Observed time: {"hour": 4, "minute": 36}
